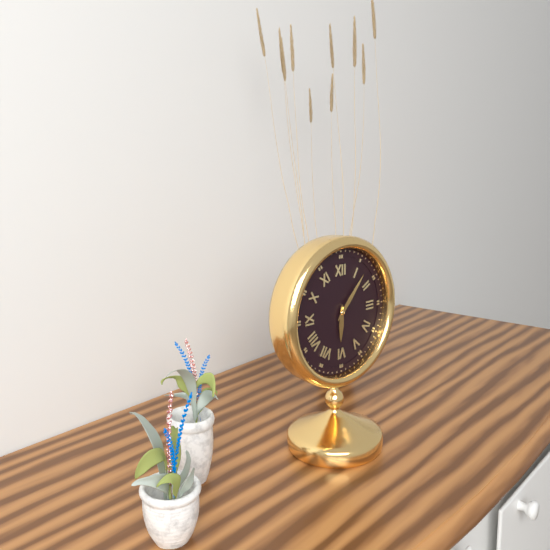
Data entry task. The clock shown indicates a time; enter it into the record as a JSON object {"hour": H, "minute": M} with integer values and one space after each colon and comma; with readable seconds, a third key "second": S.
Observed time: {"hour": 6, "minute": 7}
